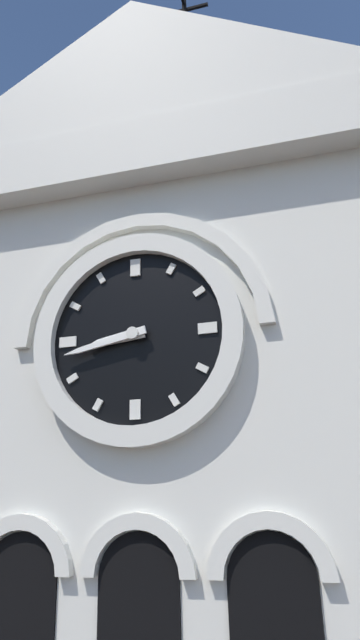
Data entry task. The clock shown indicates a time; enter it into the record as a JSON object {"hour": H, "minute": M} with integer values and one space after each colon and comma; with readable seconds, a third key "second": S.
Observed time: {"hour": 8, "minute": 43}
